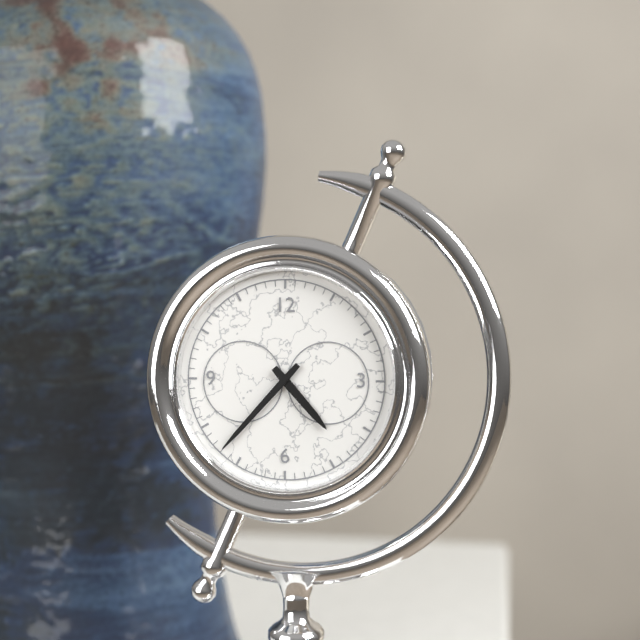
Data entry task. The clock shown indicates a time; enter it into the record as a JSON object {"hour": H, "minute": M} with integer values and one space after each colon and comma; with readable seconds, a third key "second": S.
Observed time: {"hour": 4, "minute": 37}
